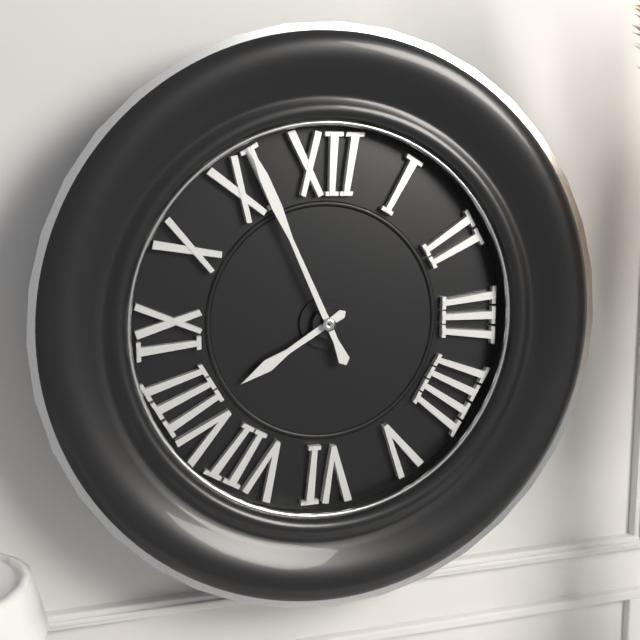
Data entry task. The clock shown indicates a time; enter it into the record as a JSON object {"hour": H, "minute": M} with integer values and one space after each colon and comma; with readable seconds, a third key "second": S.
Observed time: {"hour": 7, "minute": 56}
